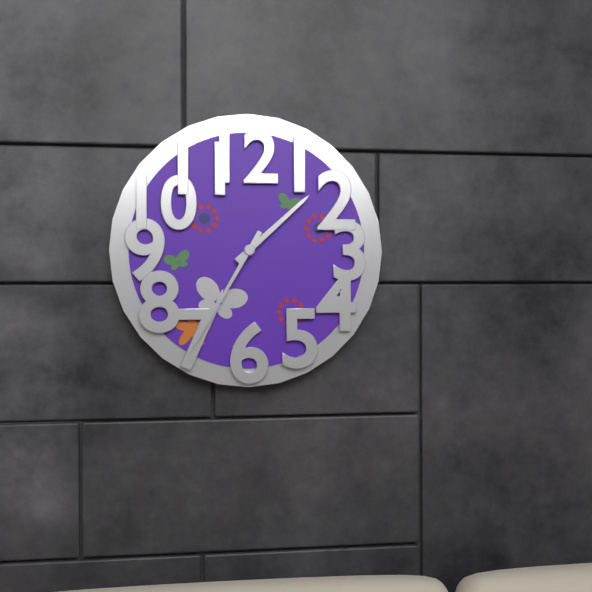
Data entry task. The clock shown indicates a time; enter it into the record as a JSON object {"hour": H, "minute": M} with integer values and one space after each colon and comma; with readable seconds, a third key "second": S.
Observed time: {"hour": 1, "minute": 35}
